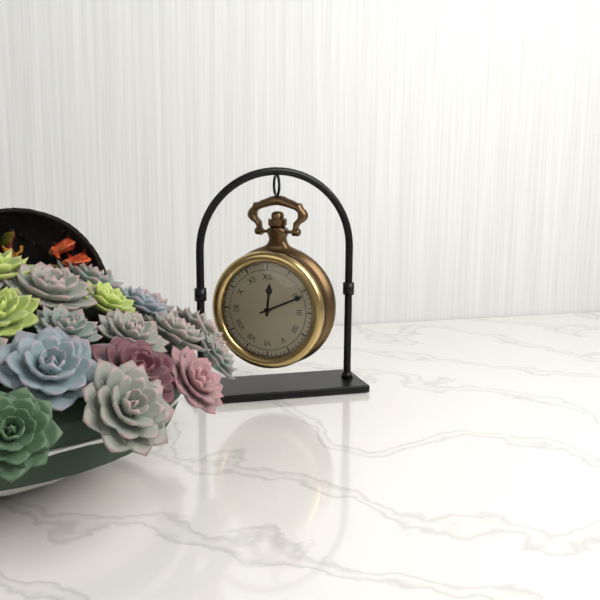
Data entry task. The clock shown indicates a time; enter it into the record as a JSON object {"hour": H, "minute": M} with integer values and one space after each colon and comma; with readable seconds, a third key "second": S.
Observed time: {"hour": 12, "minute": 11}
